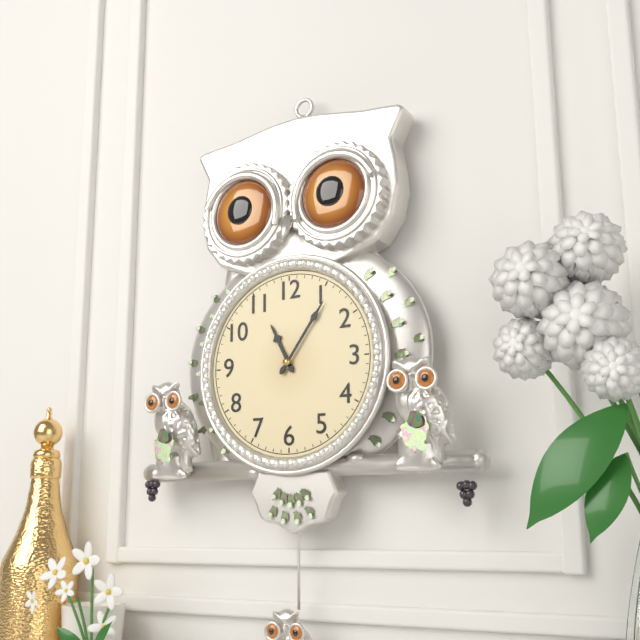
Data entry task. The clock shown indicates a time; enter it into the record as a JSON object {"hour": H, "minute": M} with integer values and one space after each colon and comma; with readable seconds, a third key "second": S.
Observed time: {"hour": 11, "minute": 6}
